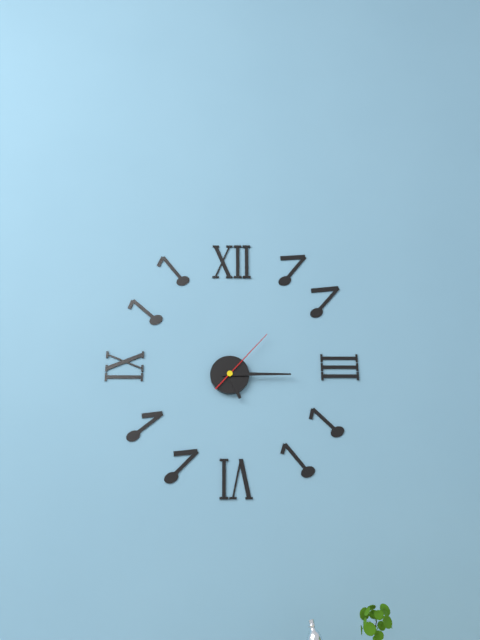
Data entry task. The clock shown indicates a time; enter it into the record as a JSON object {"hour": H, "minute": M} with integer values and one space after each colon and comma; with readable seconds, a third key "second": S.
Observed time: {"hour": 5, "minute": 15, "second": 7}
